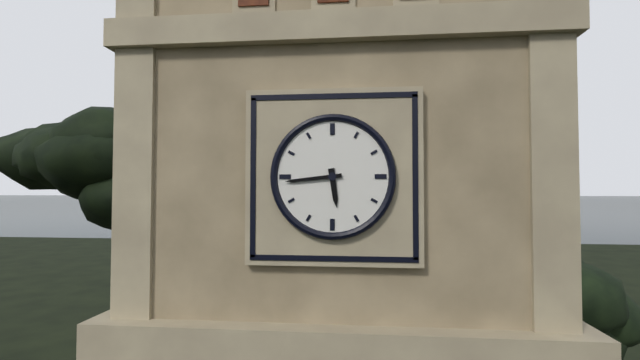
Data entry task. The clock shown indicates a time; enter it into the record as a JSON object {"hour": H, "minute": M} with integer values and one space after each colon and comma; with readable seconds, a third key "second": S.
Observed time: {"hour": 5, "minute": 44}
